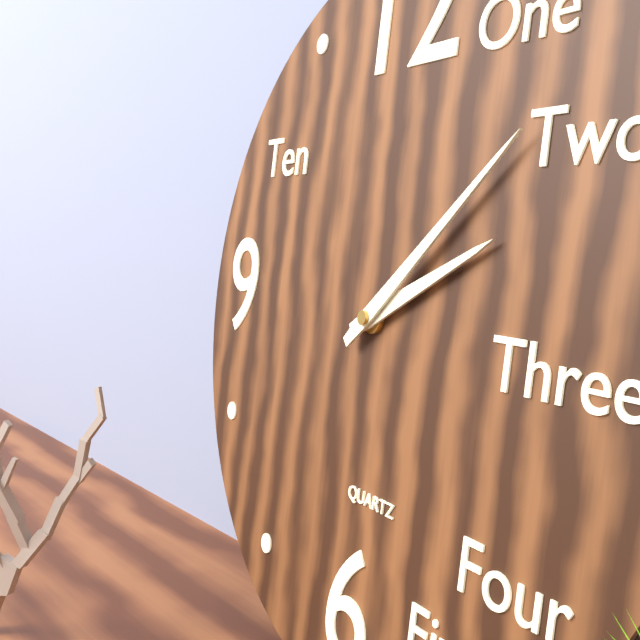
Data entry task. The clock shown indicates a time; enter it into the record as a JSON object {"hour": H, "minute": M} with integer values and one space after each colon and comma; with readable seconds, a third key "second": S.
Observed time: {"hour": 2, "minute": 8}
